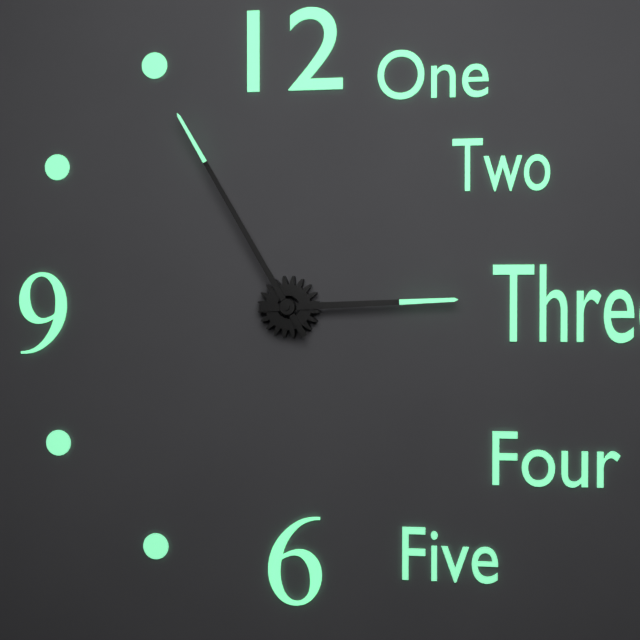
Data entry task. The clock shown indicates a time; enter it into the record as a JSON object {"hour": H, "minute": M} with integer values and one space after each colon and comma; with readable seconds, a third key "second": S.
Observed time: {"hour": 2, "minute": 55}
